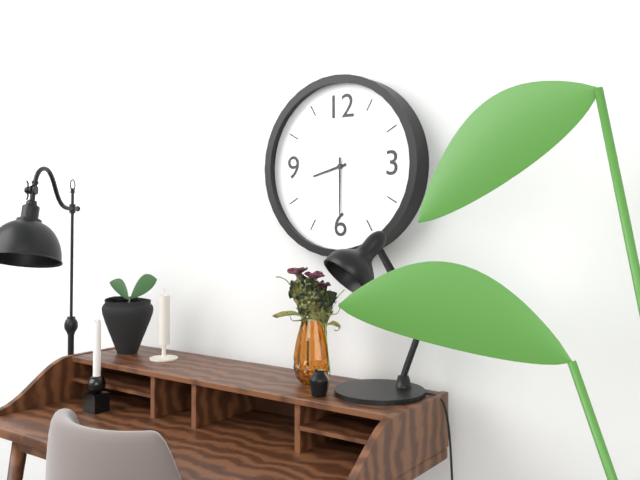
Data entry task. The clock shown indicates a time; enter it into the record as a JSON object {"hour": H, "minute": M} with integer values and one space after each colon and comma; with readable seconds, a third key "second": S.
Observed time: {"hour": 8, "minute": 30}
